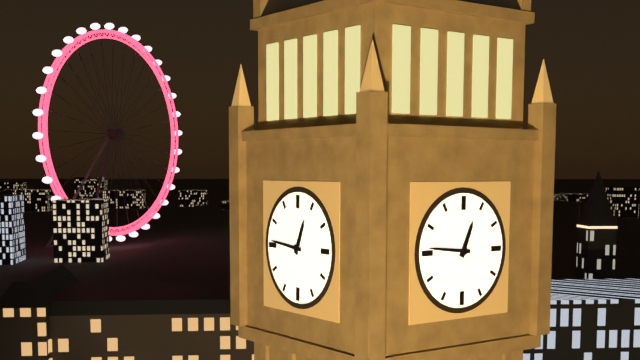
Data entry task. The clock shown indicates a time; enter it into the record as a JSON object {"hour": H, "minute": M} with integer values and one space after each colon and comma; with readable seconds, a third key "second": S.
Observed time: {"hour": 12, "minute": 46}
